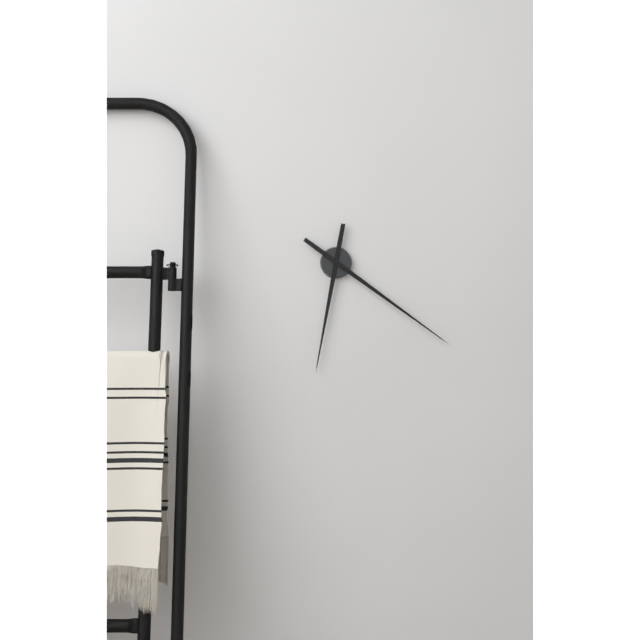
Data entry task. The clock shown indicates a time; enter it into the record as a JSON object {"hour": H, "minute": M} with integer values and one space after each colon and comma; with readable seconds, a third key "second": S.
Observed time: {"hour": 6, "minute": 21}
